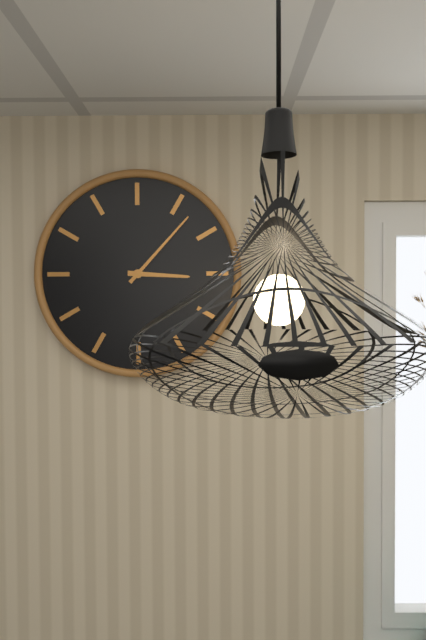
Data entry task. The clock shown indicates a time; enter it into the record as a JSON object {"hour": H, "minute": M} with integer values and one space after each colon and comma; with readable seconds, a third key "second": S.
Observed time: {"hour": 3, "minute": 7}
